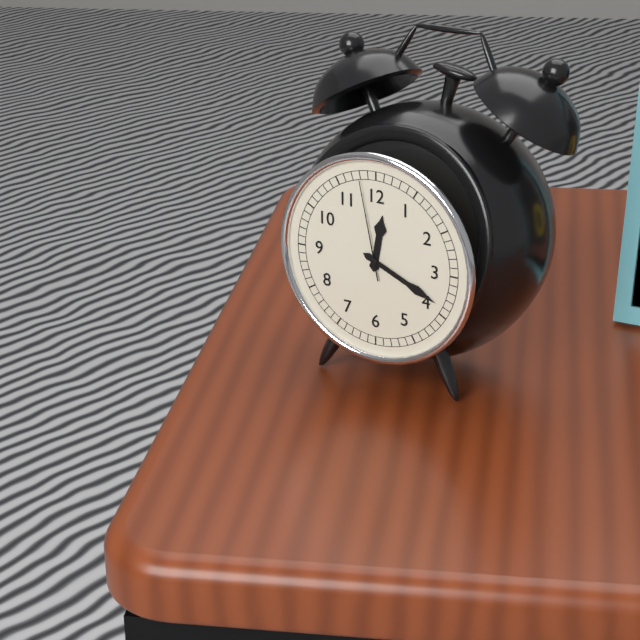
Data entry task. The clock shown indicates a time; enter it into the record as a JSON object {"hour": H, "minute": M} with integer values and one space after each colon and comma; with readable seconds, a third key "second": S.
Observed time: {"hour": 12, "minute": 19, "second": 58}
